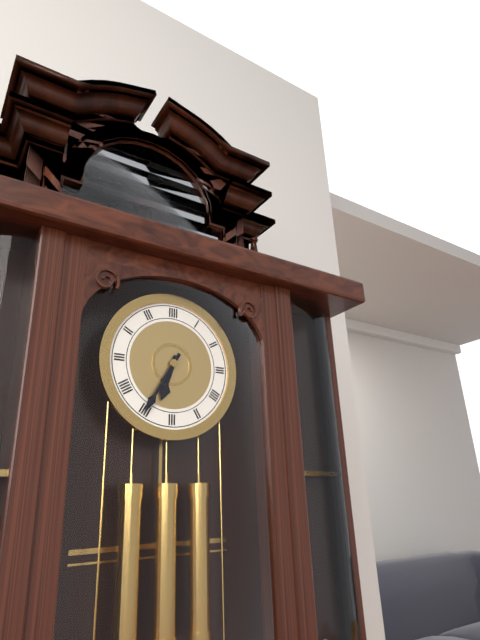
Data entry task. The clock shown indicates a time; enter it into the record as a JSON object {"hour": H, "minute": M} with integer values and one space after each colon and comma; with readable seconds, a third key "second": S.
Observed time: {"hour": 6, "minute": 35}
